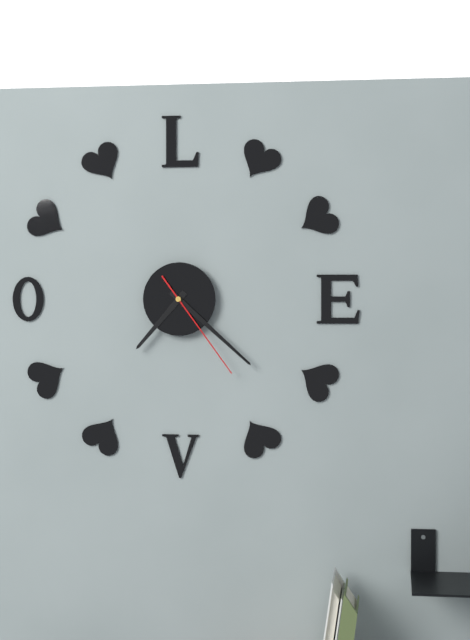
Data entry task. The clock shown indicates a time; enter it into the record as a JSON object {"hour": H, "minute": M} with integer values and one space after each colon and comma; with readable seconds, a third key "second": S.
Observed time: {"hour": 7, "minute": 22, "second": 24}
